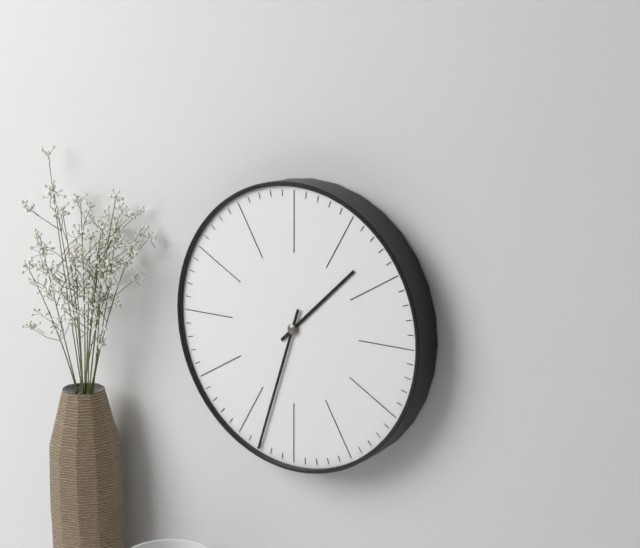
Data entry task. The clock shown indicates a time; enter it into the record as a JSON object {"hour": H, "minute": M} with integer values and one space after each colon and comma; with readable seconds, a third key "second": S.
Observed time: {"hour": 1, "minute": 33}
